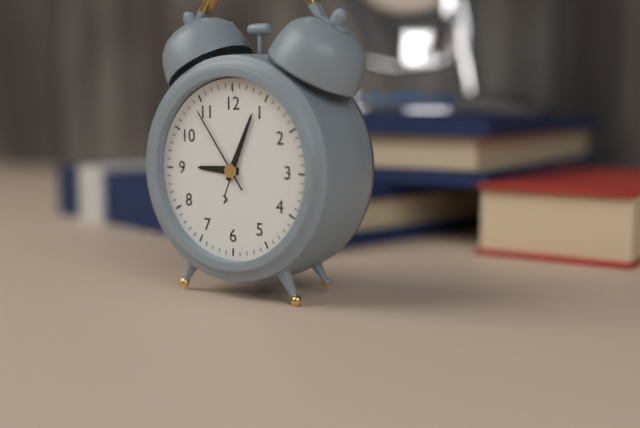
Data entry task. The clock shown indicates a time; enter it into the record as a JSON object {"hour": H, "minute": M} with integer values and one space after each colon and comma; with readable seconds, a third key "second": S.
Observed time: {"hour": 9, "minute": 4, "second": 54}
